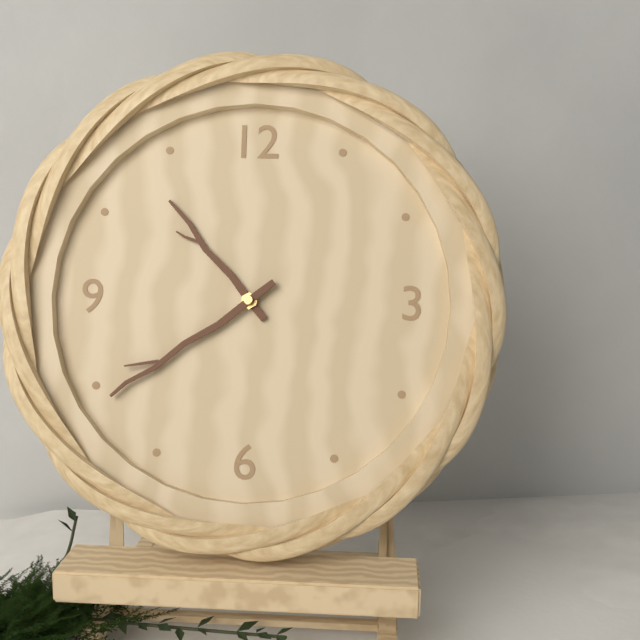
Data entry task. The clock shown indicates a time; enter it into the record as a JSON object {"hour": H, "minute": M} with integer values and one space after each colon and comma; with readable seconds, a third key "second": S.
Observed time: {"hour": 10, "minute": 39}
